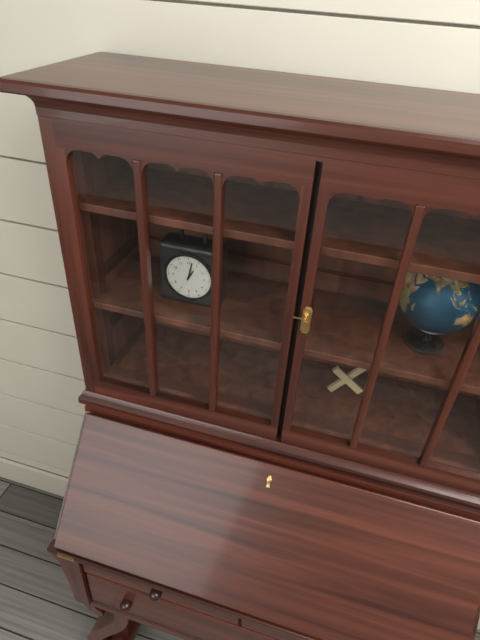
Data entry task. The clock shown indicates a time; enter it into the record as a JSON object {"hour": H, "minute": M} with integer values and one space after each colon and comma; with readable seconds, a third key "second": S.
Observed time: {"hour": 1, "minute": 2}
